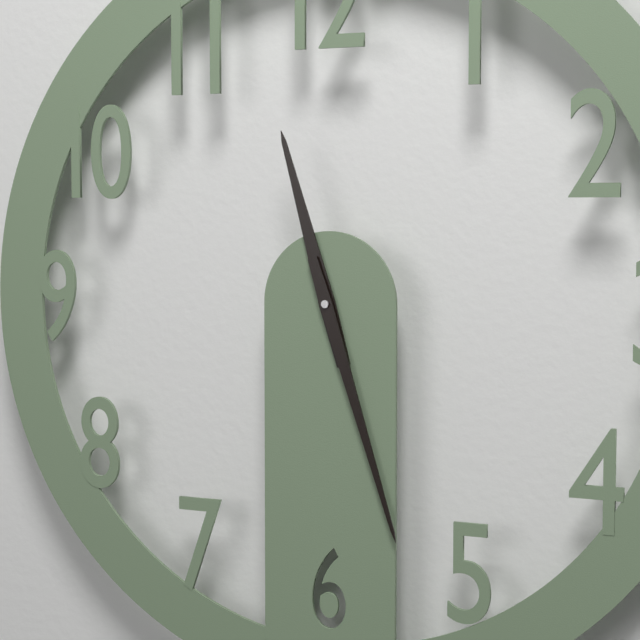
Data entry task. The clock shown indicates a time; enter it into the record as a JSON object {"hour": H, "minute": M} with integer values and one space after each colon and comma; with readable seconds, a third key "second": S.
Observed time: {"hour": 11, "minute": 27}
